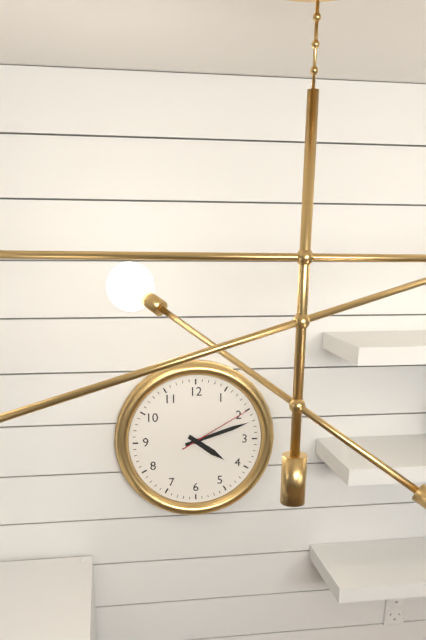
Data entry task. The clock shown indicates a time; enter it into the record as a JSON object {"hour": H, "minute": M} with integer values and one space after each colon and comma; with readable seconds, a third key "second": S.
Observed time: {"hour": 4, "minute": 12, "second": 10}
